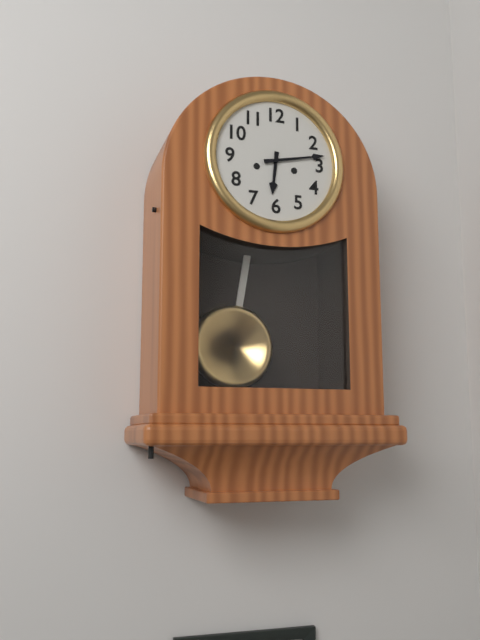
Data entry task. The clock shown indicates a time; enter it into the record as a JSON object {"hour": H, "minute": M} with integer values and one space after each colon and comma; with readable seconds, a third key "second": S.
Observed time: {"hour": 6, "minute": 13}
